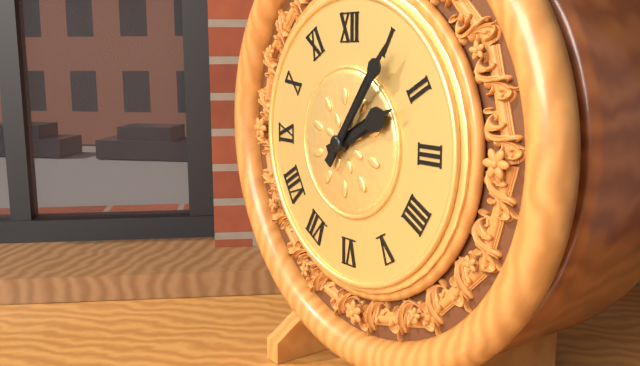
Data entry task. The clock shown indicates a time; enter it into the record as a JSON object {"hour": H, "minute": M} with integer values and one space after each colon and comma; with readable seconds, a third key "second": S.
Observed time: {"hour": 2, "minute": 6}
